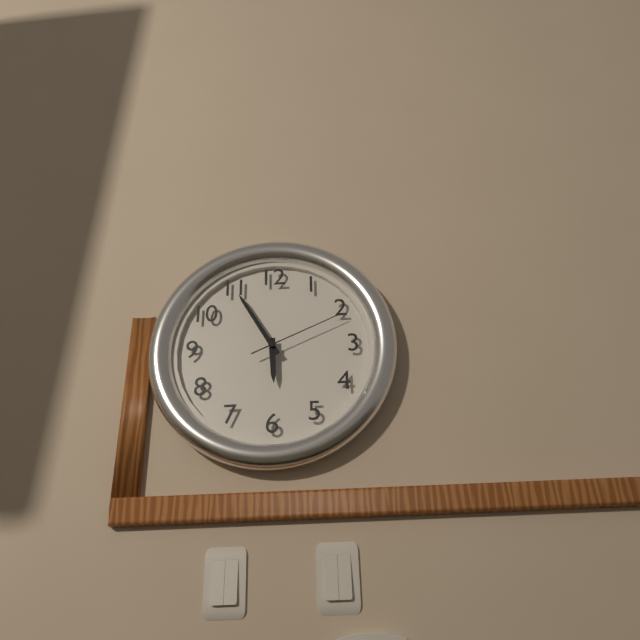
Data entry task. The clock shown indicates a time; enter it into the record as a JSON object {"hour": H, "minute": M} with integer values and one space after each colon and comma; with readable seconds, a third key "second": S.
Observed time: {"hour": 5, "minute": 55, "second": 11}
